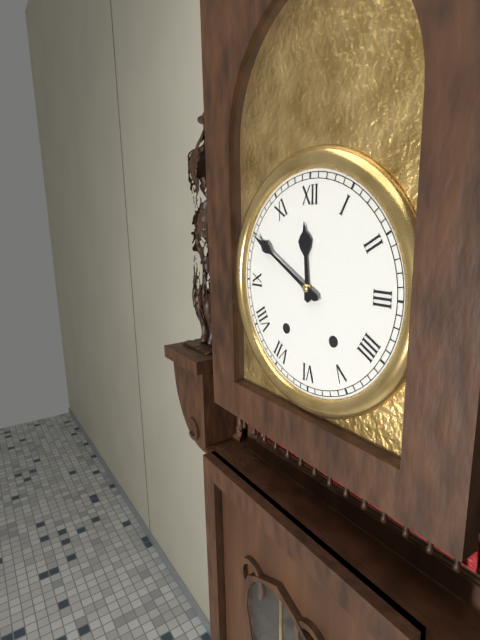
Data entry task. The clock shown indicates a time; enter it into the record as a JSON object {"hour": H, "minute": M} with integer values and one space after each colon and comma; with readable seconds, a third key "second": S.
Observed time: {"hour": 11, "minute": 50}
